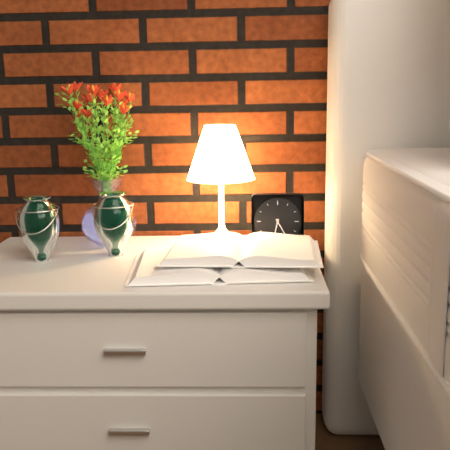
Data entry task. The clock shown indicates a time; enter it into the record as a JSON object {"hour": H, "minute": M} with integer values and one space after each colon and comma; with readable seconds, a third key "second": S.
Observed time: {"hour": 6, "minute": 25}
